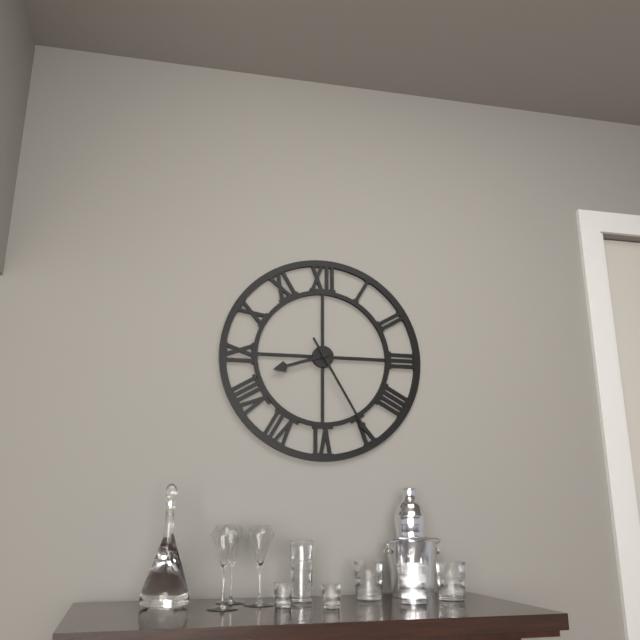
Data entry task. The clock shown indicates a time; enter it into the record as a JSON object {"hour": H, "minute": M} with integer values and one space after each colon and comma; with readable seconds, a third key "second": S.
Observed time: {"hour": 8, "minute": 25}
